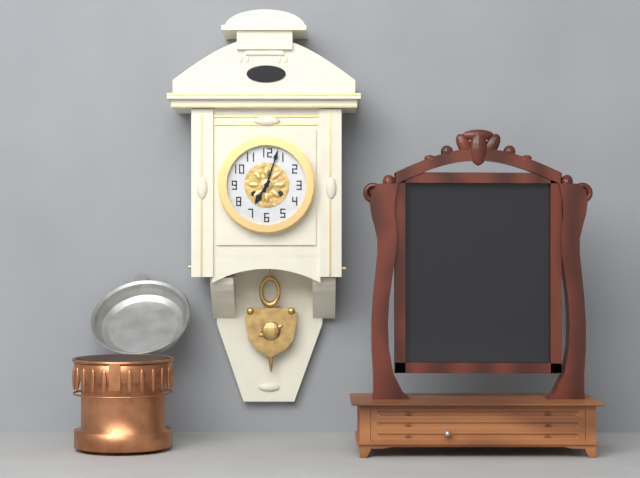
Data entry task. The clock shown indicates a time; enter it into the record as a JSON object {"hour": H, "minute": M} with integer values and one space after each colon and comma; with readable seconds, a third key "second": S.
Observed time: {"hour": 7, "minute": 3}
